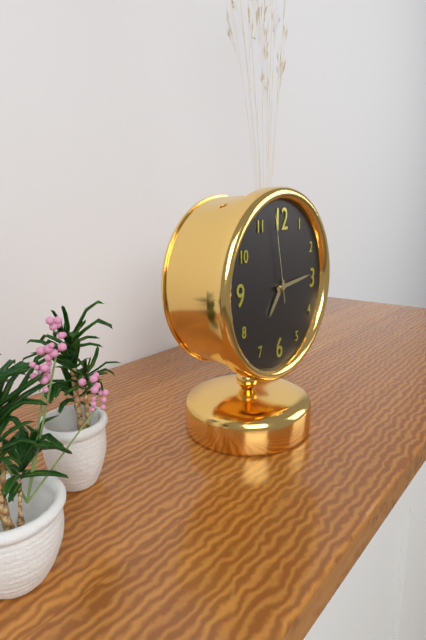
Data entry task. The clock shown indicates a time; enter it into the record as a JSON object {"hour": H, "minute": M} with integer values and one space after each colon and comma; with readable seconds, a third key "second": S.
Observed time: {"hour": 7, "minute": 14, "second": 58}
